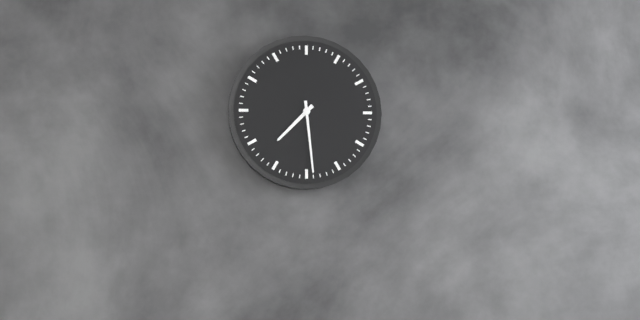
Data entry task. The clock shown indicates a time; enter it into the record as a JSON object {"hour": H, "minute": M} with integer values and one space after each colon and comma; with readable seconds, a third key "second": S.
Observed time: {"hour": 7, "minute": 29}
